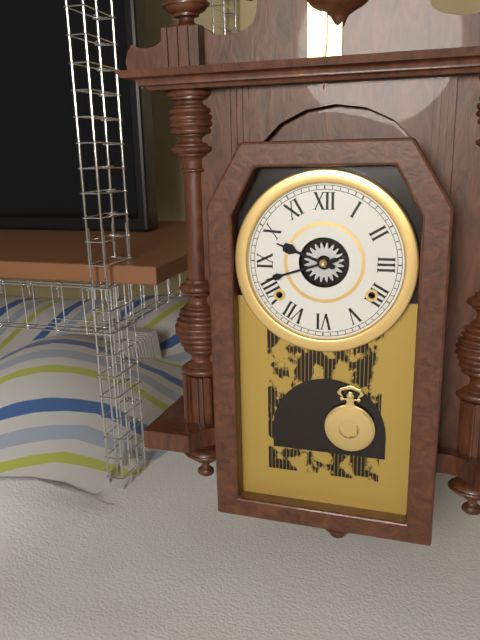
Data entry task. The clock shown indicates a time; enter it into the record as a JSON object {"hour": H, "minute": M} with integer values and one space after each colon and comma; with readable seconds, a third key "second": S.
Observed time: {"hour": 9, "minute": 42}
